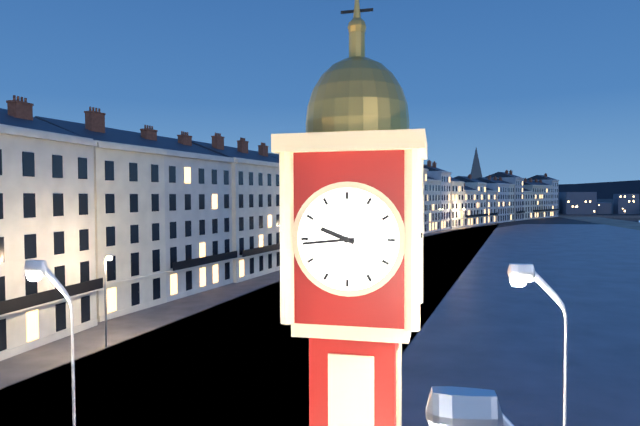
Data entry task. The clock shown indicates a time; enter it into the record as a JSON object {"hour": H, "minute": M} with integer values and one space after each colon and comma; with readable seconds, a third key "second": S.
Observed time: {"hour": 9, "minute": 44}
